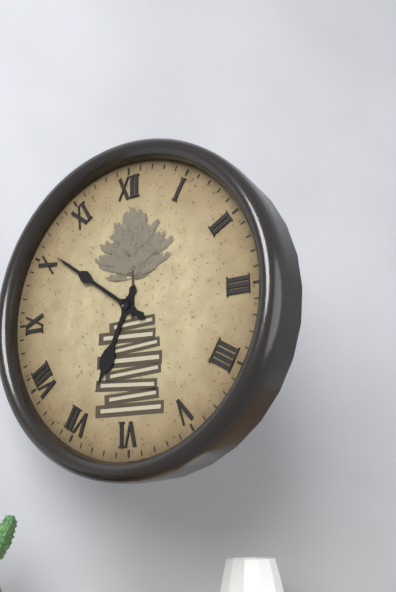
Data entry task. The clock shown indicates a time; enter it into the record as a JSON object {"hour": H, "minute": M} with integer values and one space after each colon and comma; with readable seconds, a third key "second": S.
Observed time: {"hour": 6, "minute": 51}
